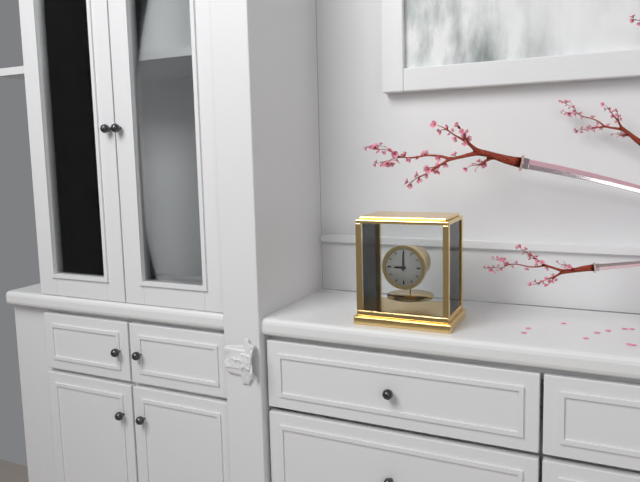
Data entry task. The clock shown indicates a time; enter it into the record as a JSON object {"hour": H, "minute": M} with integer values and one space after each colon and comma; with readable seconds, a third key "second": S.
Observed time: {"hour": 9, "minute": 0}
